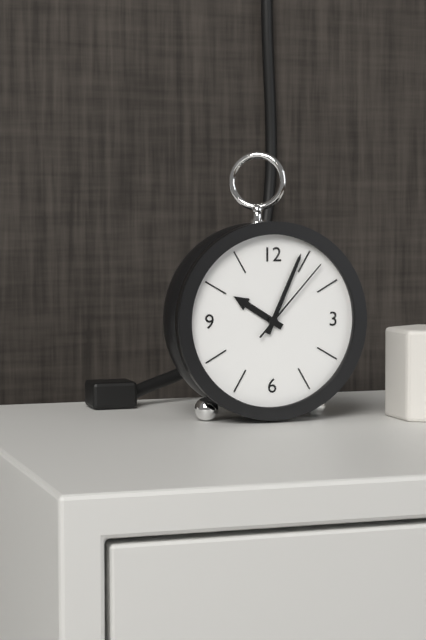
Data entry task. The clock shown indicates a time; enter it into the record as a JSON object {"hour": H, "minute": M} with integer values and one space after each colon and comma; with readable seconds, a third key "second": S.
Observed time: {"hour": 10, "minute": 4, "second": 7}
